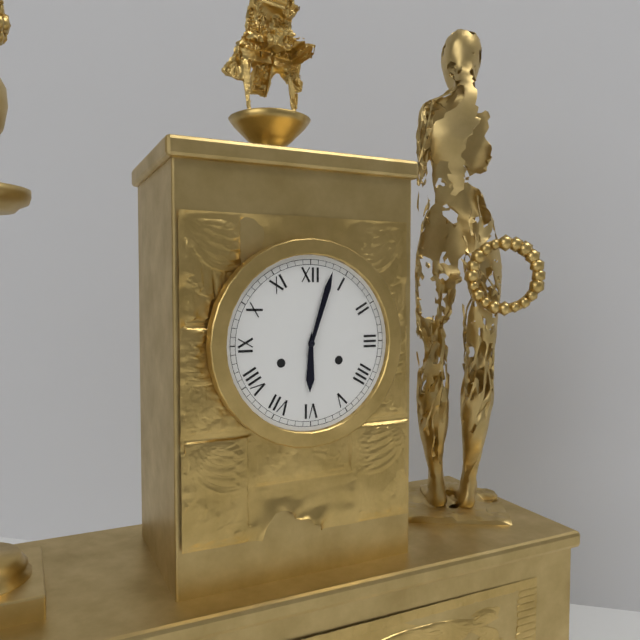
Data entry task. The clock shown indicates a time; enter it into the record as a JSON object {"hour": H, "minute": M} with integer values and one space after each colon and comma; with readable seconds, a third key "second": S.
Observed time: {"hour": 6, "minute": 3}
